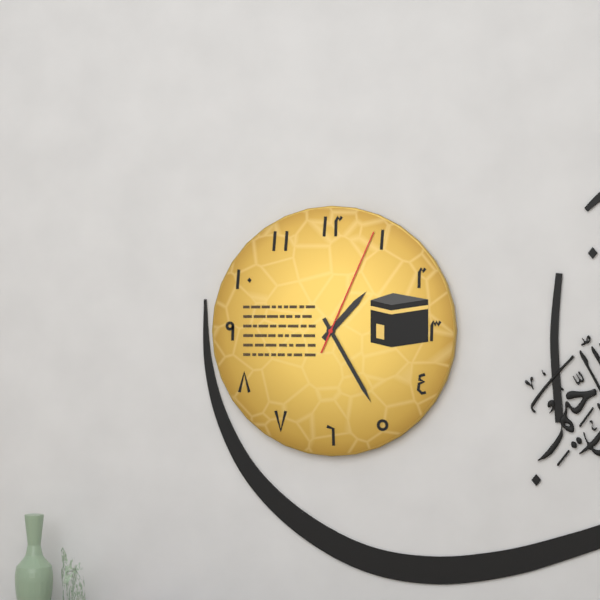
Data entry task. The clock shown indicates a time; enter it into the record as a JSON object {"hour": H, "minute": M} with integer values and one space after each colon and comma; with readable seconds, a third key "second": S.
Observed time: {"hour": 1, "minute": 25, "second": 4}
